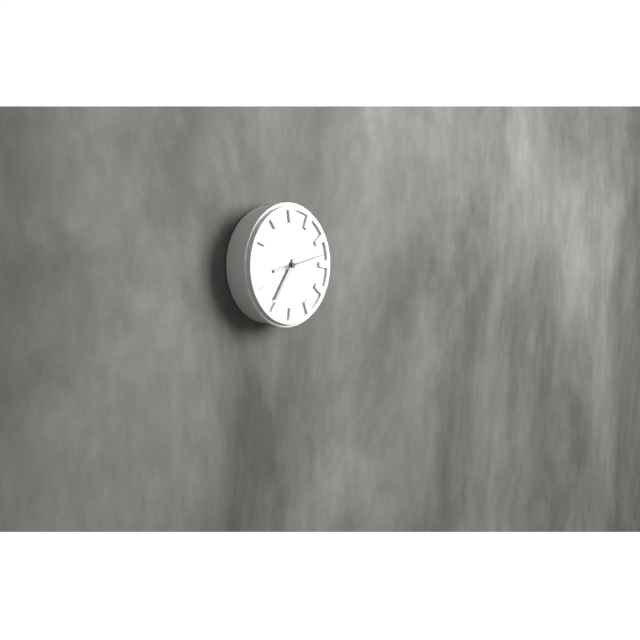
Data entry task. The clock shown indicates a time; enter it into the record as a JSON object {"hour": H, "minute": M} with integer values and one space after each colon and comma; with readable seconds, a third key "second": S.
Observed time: {"hour": 8, "minute": 36}
